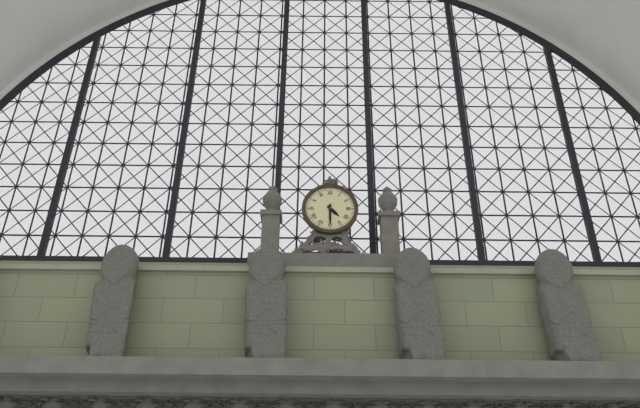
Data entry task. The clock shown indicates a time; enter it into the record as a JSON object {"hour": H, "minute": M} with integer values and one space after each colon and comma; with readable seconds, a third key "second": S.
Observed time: {"hour": 4, "minute": 30}
